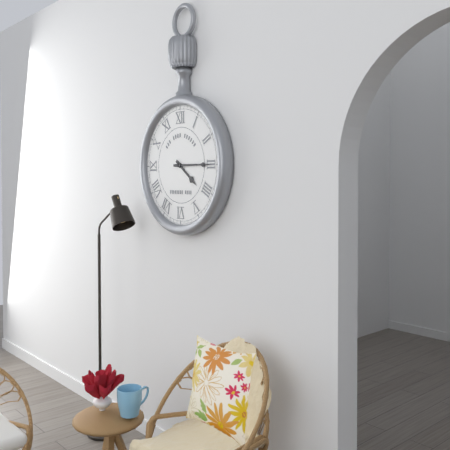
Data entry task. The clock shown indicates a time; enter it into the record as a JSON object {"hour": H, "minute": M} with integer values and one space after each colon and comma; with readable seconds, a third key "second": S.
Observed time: {"hour": 4, "minute": 15}
